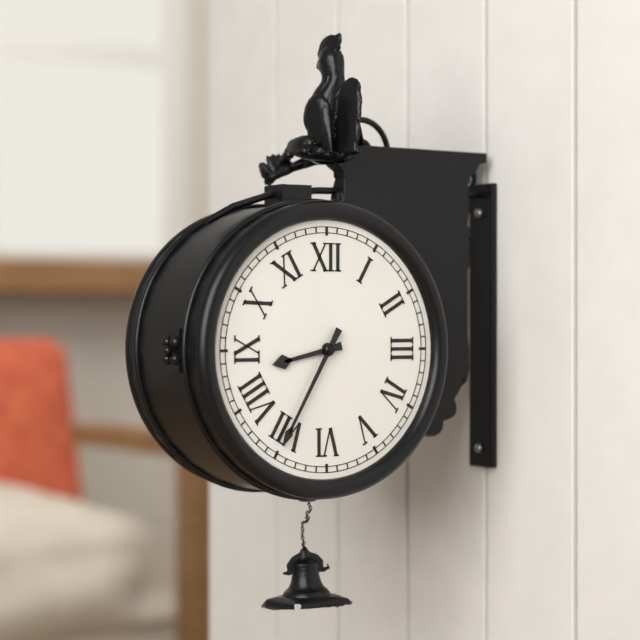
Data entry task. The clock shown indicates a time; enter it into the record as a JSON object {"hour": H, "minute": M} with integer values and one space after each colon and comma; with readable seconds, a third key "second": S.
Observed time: {"hour": 8, "minute": 35}
